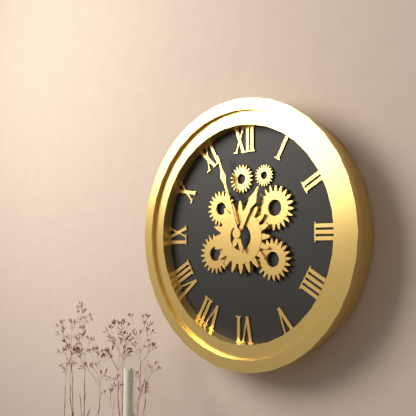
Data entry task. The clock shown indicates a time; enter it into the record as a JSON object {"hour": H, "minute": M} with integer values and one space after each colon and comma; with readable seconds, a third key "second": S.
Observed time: {"hour": 12, "minute": 57}
